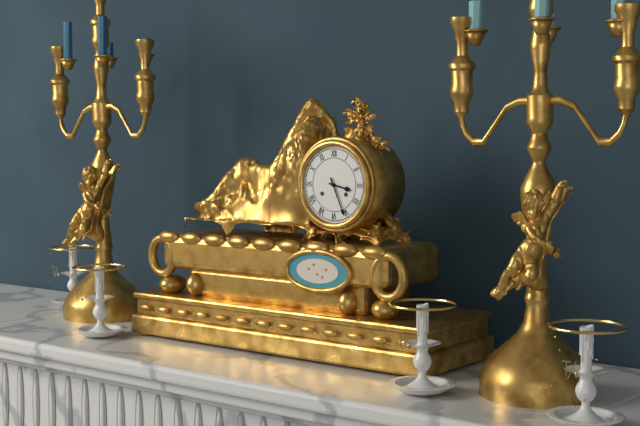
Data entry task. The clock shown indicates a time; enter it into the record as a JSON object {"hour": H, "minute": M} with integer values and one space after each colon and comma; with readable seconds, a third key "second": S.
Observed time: {"hour": 3, "minute": 26}
